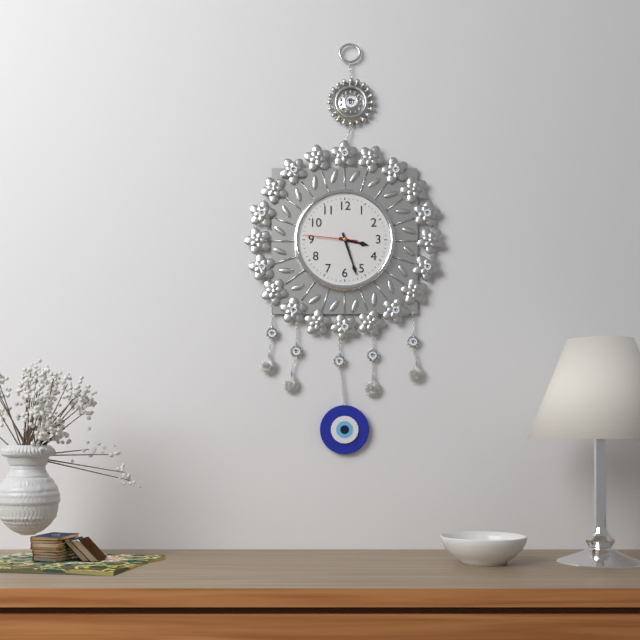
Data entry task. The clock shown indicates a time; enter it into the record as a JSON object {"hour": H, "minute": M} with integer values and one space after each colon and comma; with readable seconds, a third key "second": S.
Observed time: {"hour": 3, "minute": 27, "second": 46}
